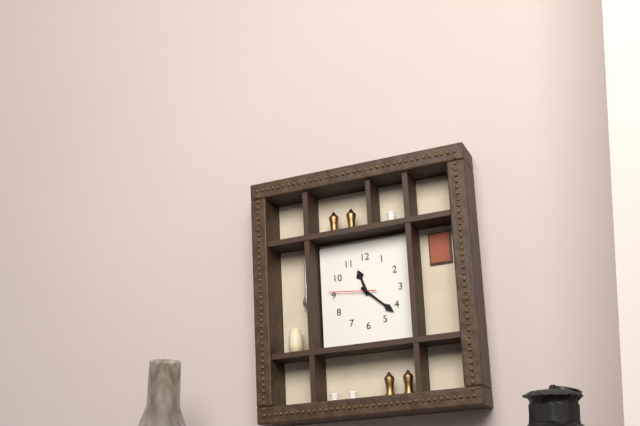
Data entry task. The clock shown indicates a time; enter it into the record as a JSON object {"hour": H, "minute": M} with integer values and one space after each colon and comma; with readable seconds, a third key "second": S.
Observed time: {"hour": 11, "minute": 22}
